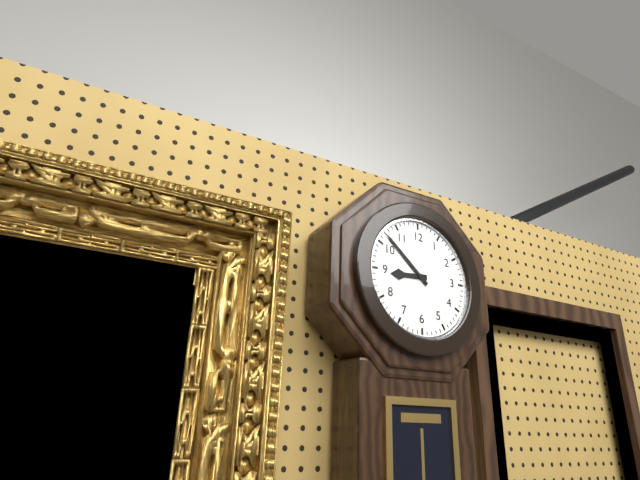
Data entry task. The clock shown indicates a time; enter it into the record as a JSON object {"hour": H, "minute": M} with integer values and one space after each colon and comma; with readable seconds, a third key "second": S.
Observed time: {"hour": 8, "minute": 52}
